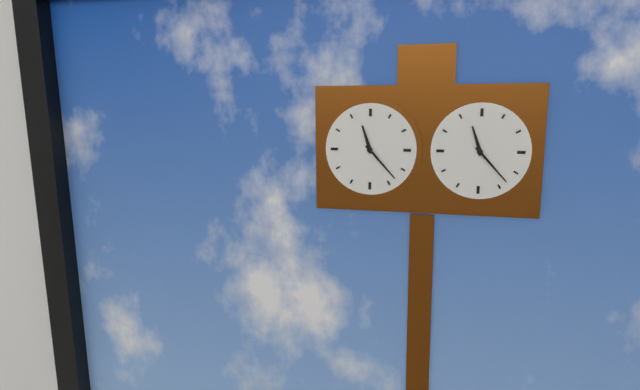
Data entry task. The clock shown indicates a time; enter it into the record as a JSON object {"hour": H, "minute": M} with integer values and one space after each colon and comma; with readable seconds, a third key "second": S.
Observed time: {"hour": 11, "minute": 23}
